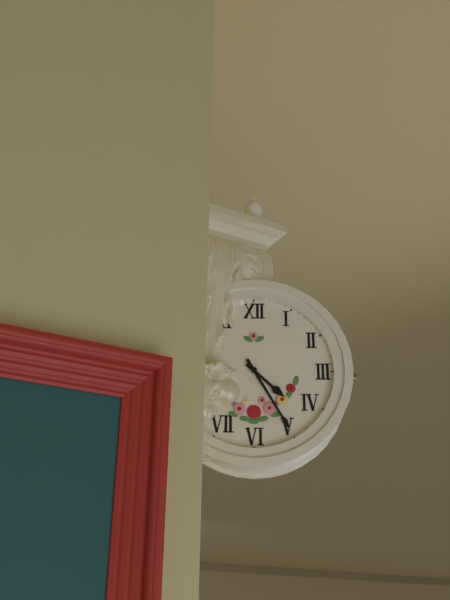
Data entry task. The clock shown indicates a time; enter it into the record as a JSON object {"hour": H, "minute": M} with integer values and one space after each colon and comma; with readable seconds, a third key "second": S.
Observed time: {"hour": 4, "minute": 25}
